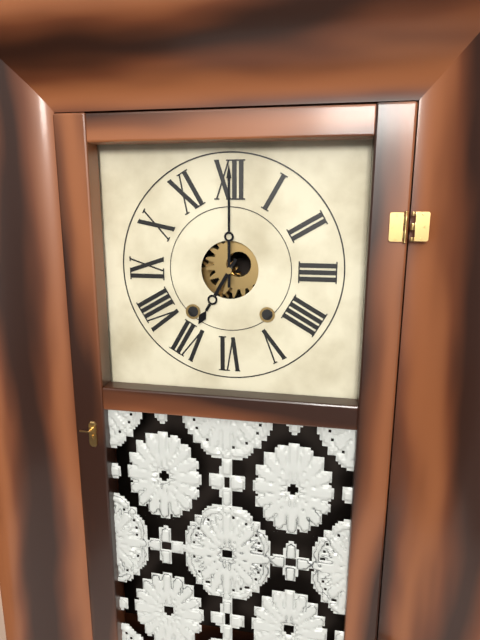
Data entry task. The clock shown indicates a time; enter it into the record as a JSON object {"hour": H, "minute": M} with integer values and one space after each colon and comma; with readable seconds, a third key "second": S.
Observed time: {"hour": 7, "minute": 0}
